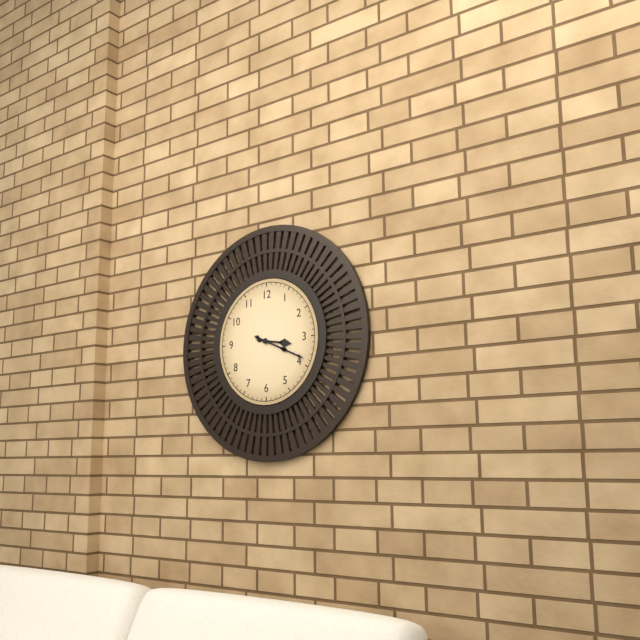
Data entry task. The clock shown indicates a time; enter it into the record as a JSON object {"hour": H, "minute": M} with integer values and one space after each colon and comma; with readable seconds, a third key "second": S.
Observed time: {"hour": 3, "minute": 19}
